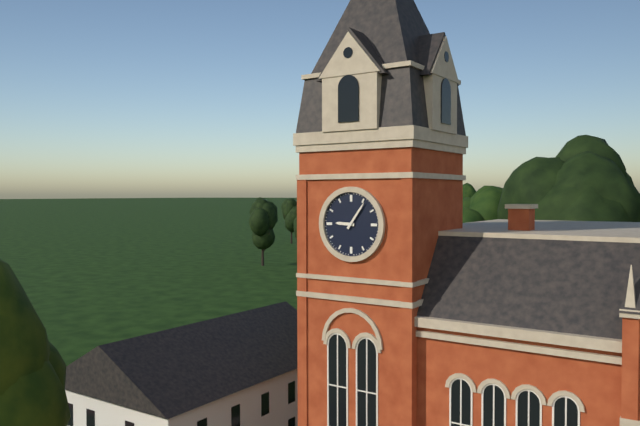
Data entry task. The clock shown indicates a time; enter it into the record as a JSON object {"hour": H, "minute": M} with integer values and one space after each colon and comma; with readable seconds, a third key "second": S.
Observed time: {"hour": 9, "minute": 6}
